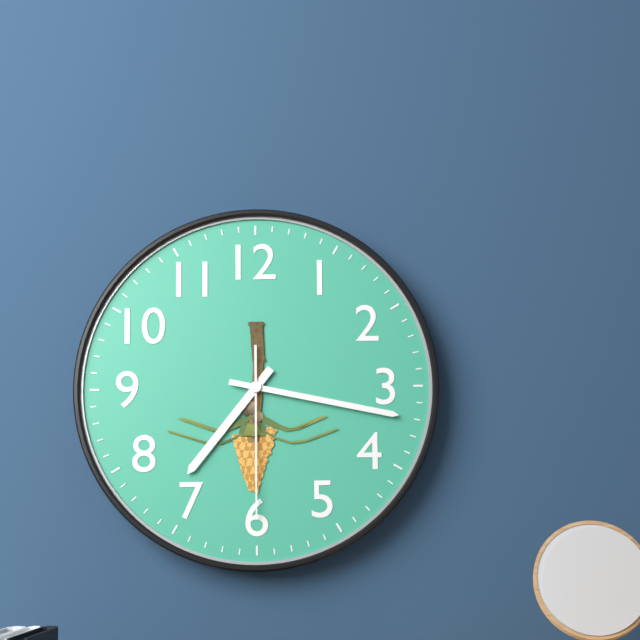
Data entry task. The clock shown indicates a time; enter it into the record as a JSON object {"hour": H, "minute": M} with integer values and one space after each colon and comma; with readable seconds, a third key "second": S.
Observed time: {"hour": 7, "minute": 17, "second": 30}
